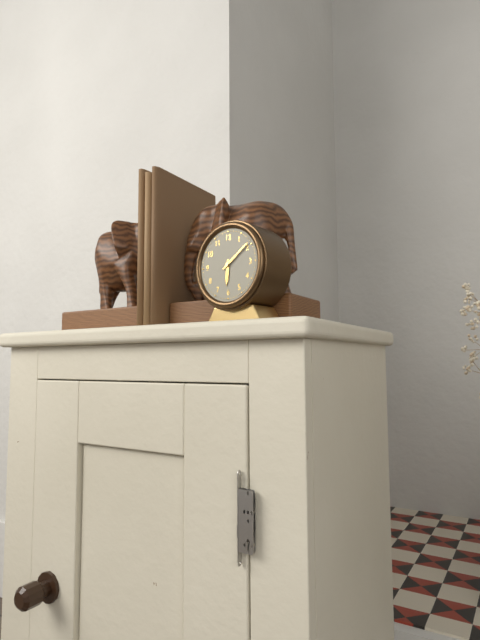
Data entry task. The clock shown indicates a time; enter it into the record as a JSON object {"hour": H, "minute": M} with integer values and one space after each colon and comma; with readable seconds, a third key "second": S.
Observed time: {"hour": 6, "minute": 9}
